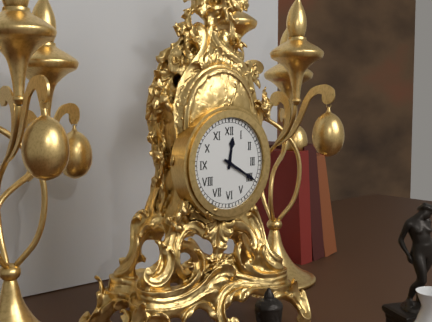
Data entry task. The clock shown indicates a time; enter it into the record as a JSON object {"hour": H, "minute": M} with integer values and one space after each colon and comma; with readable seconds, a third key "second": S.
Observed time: {"hour": 12, "minute": 20}
